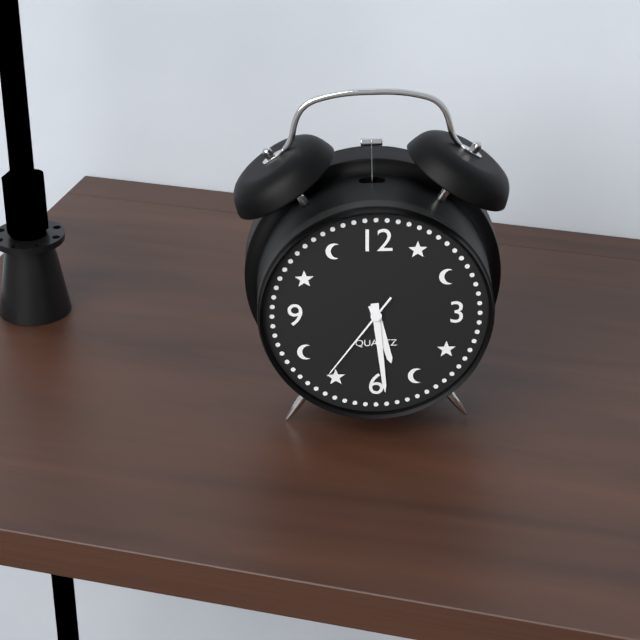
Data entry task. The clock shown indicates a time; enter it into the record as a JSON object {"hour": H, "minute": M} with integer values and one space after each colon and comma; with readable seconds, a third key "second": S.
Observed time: {"hour": 5, "minute": 29, "second": 36}
